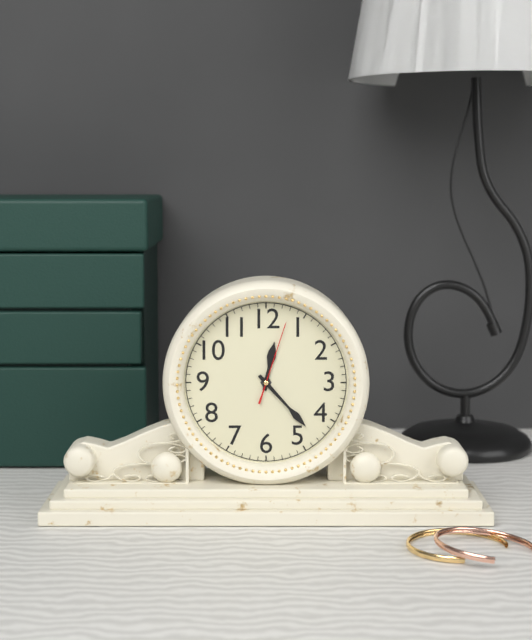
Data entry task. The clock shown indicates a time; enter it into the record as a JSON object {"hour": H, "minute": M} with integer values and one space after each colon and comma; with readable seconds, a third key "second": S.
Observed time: {"hour": 12, "minute": 23, "second": 3}
